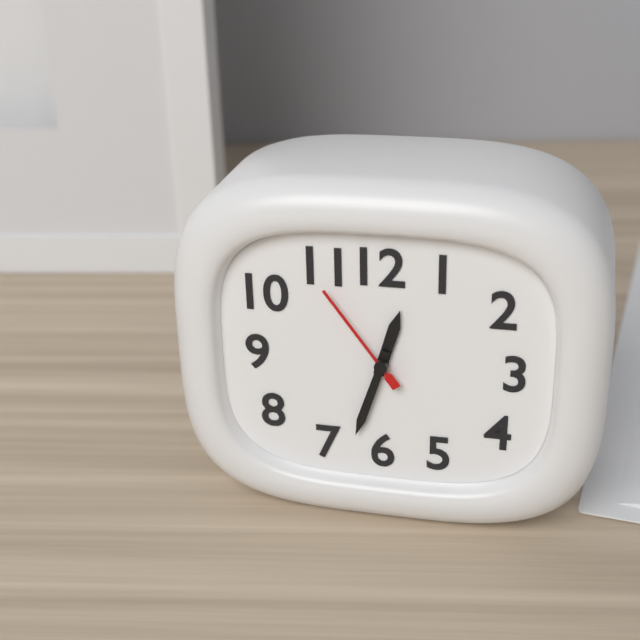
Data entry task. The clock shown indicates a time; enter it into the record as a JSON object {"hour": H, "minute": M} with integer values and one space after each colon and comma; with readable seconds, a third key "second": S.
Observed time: {"hour": 12, "minute": 33, "second": 54}
